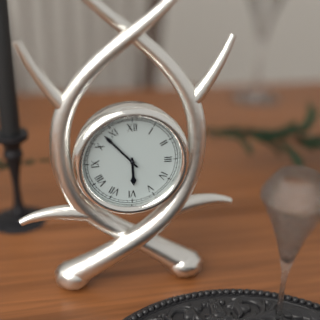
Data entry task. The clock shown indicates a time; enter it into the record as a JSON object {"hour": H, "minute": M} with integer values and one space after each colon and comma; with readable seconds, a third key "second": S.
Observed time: {"hour": 5, "minute": 53}
